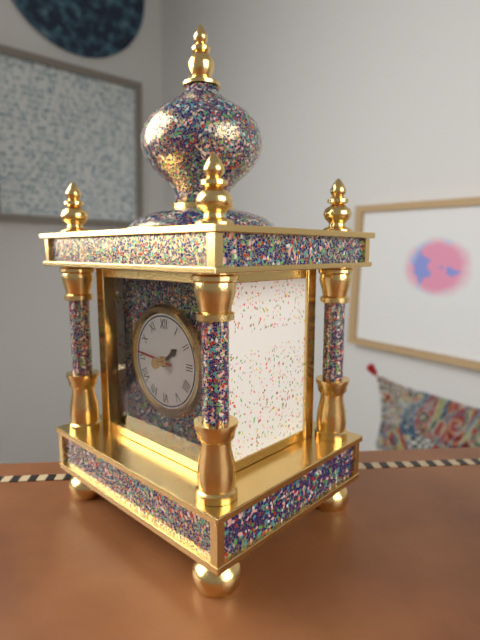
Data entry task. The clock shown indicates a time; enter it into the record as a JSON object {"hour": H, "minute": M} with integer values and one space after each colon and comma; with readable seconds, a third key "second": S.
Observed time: {"hour": 1, "minute": 46}
